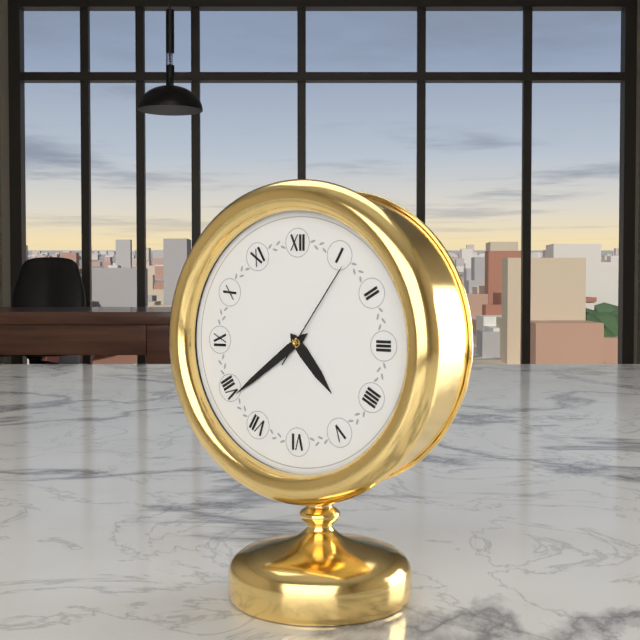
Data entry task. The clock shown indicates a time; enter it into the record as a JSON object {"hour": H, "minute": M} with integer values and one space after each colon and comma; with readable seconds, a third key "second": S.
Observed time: {"hour": 4, "minute": 39, "second": 6}
